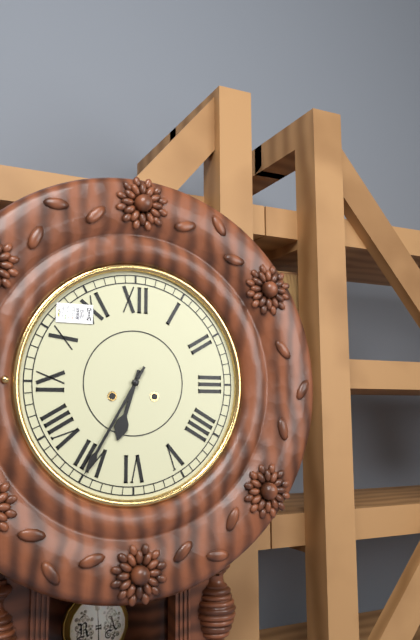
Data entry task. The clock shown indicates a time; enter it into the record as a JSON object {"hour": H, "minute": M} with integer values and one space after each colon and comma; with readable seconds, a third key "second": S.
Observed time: {"hour": 6, "minute": 35}
